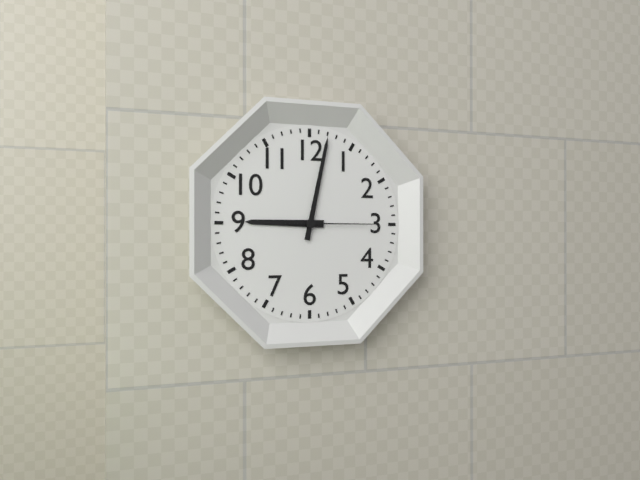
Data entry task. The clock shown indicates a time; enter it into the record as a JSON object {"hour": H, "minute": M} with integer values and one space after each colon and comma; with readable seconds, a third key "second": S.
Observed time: {"hour": 9, "minute": 2, "second": 15}
